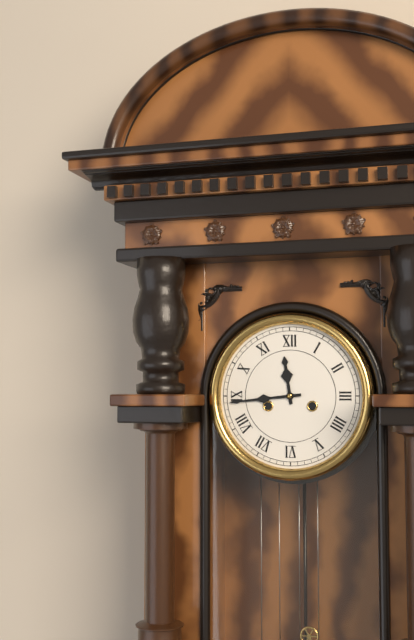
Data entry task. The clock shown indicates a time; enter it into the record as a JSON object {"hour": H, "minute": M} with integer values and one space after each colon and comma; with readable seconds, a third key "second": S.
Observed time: {"hour": 11, "minute": 44}
